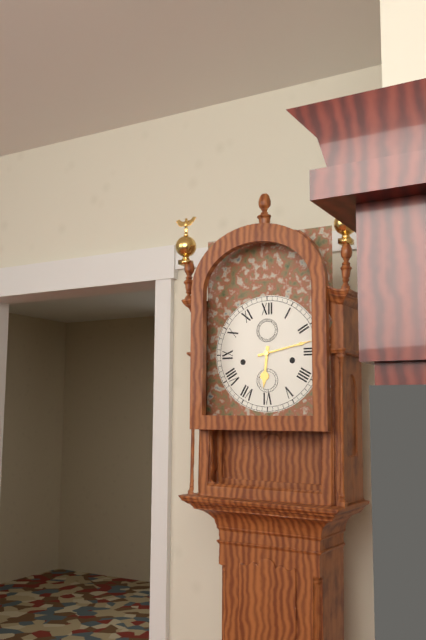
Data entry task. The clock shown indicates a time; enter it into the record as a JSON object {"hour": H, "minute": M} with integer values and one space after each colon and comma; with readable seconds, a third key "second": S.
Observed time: {"hour": 6, "minute": 13}
